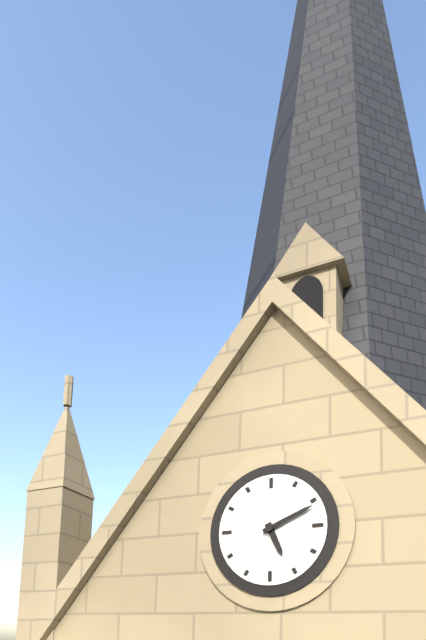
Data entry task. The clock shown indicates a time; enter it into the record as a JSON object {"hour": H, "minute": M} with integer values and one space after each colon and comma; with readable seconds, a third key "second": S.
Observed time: {"hour": 5, "minute": 11}
